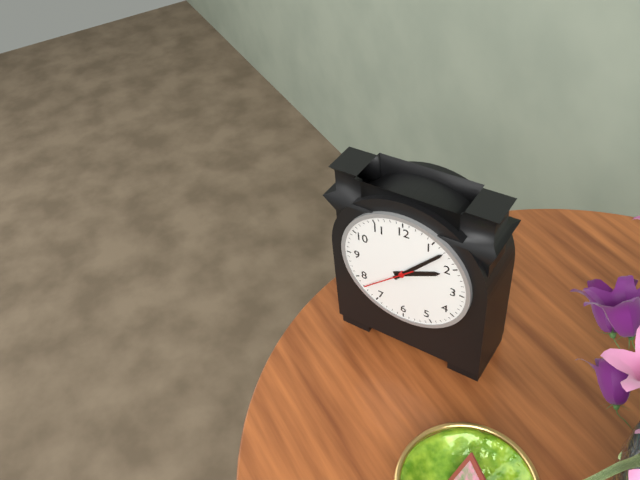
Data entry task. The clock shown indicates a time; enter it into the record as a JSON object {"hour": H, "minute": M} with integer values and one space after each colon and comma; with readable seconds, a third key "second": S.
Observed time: {"hour": 2, "minute": 7, "second": 38}
